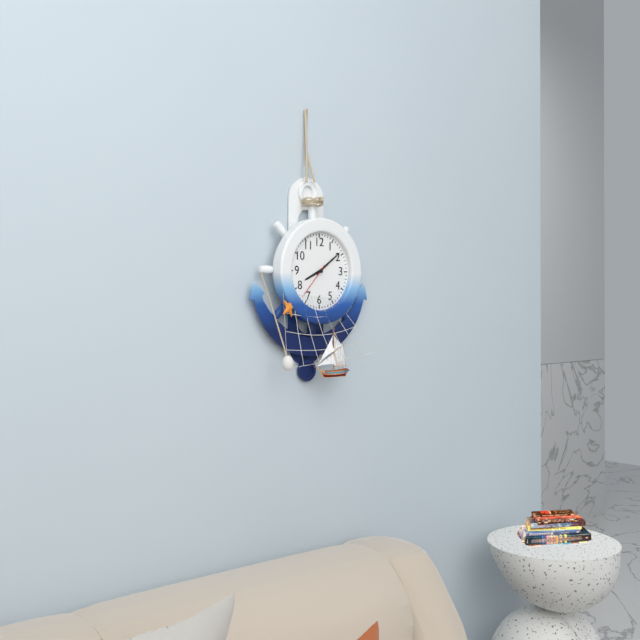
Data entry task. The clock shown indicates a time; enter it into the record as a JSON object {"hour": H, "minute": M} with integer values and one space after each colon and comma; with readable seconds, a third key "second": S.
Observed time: {"hour": 8, "minute": 9}
